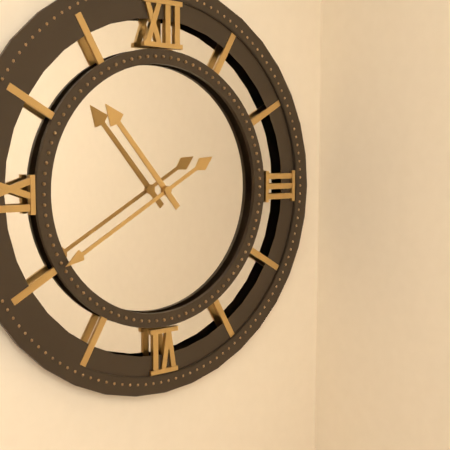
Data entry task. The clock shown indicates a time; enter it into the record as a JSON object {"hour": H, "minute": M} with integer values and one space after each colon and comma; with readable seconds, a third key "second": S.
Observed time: {"hour": 10, "minute": 40}
